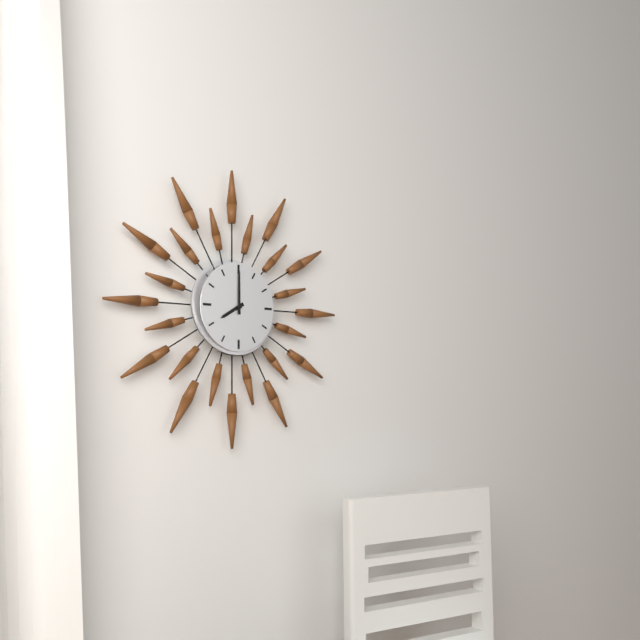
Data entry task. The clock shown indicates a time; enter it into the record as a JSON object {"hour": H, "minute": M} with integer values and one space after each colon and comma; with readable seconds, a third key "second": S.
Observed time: {"hour": 8, "minute": 0}
